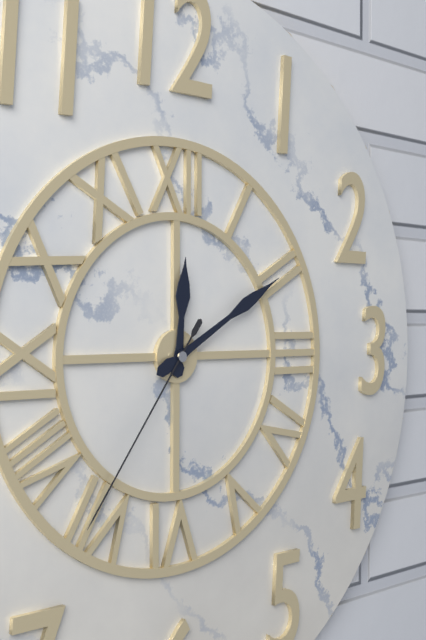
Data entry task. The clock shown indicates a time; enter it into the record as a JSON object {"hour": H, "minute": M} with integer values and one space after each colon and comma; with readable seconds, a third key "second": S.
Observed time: {"hour": 12, "minute": 10, "second": 36}
